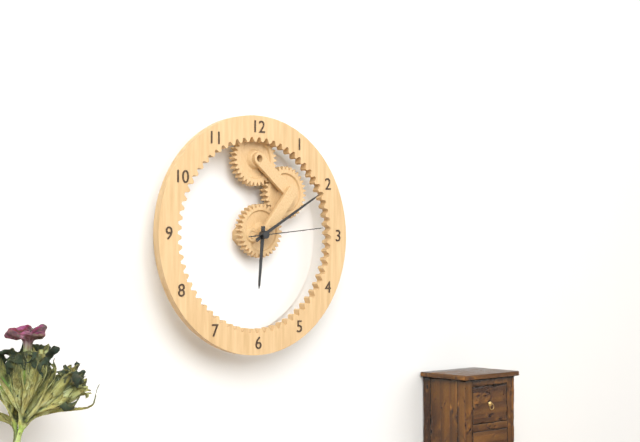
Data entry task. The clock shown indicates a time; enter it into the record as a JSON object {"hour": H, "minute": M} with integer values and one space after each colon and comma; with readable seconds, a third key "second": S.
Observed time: {"hour": 6, "minute": 10, "second": 14}
